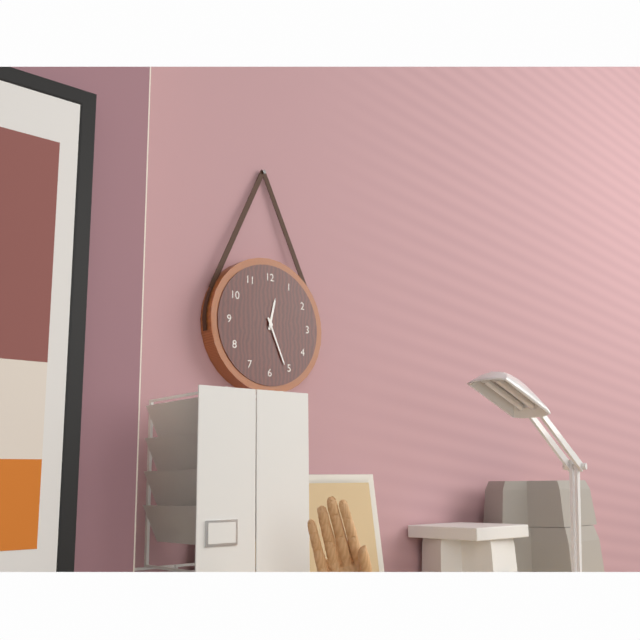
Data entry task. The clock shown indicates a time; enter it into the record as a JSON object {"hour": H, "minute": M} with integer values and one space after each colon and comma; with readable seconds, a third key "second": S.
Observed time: {"hour": 12, "minute": 26}
